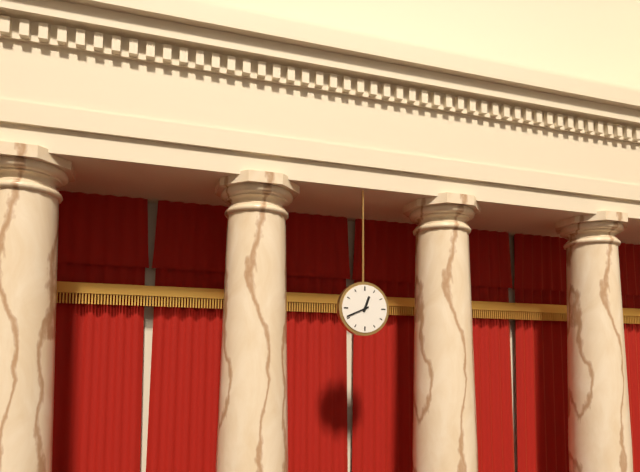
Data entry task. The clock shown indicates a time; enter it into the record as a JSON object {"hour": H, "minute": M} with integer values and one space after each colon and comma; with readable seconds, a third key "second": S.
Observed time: {"hour": 12, "minute": 41}
